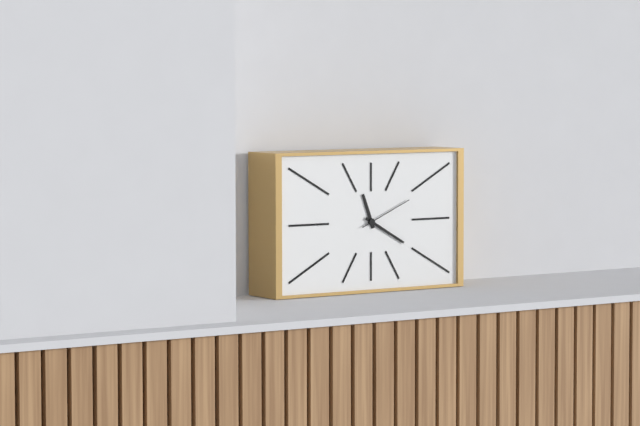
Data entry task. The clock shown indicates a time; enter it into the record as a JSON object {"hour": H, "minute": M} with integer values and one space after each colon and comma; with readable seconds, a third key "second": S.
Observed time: {"hour": 11, "minute": 20, "second": 11}
